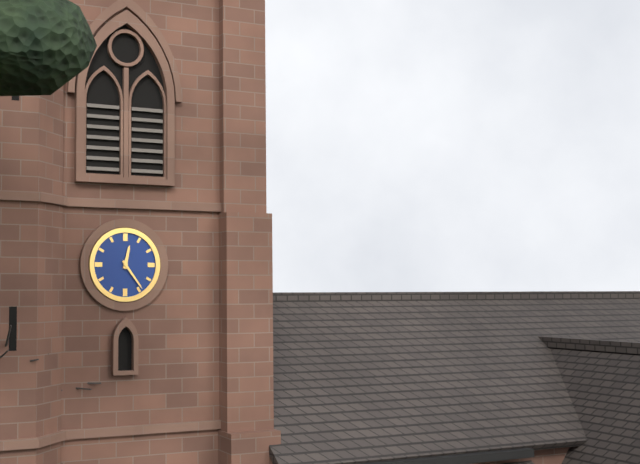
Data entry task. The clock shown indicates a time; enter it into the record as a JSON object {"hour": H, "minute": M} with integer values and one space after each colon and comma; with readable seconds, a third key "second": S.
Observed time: {"hour": 12, "minute": 24}
